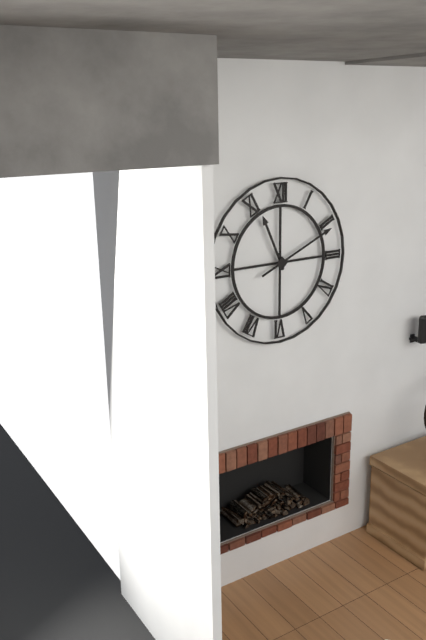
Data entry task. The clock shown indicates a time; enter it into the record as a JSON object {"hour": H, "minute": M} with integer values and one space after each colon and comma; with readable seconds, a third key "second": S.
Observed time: {"hour": 11, "minute": 11}
